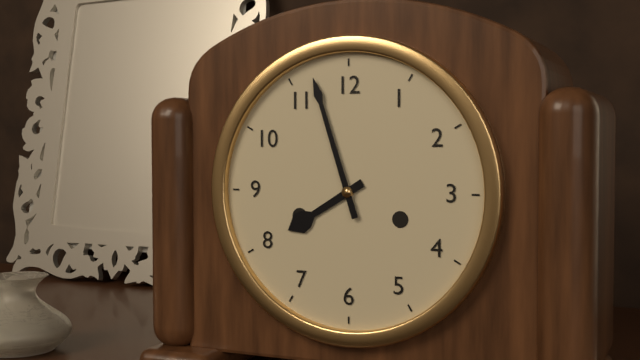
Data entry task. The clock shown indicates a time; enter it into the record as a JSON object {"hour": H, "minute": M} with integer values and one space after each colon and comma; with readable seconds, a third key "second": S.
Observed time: {"hour": 7, "minute": 57}
